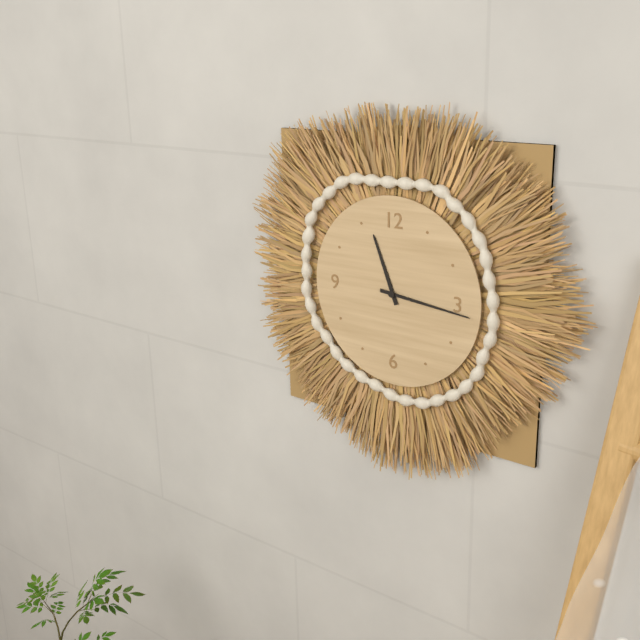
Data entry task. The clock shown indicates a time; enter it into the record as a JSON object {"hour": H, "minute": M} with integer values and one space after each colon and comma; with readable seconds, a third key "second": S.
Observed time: {"hour": 11, "minute": 16}
